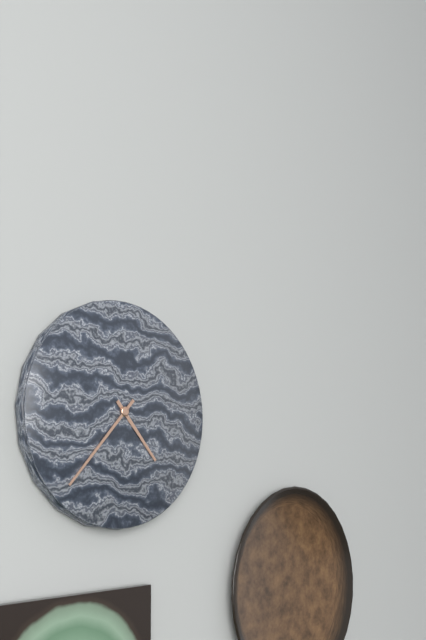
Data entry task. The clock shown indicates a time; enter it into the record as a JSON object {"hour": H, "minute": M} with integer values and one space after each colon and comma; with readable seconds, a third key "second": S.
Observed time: {"hour": 4, "minute": 37}
